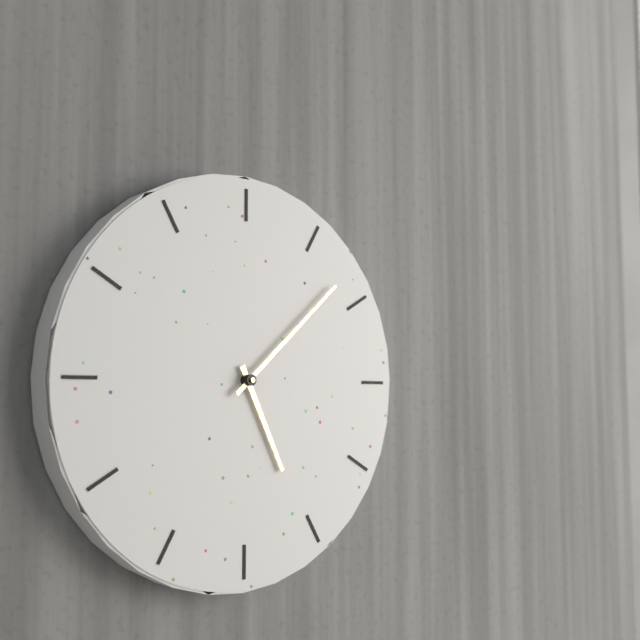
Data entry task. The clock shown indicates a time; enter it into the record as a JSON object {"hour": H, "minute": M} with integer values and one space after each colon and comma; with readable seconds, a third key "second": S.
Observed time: {"hour": 5, "minute": 8}
